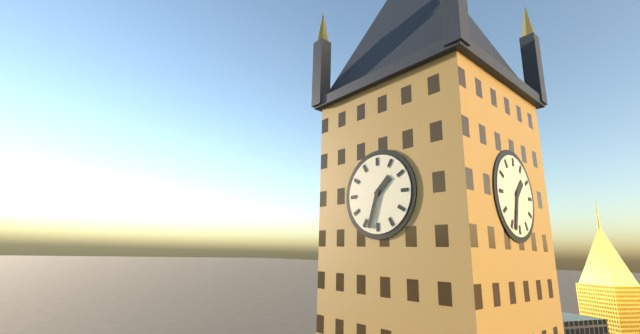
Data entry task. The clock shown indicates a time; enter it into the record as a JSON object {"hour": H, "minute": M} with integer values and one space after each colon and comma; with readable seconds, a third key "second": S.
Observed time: {"hour": 1, "minute": 33}
